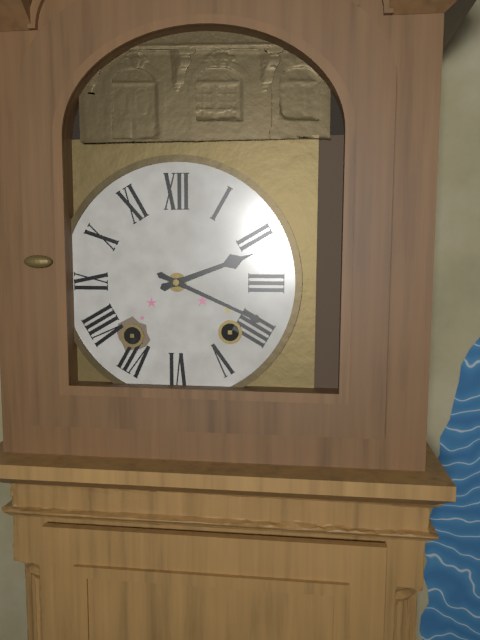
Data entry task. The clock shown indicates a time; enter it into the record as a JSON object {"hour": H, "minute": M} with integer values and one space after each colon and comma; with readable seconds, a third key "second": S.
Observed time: {"hour": 2, "minute": 19}
